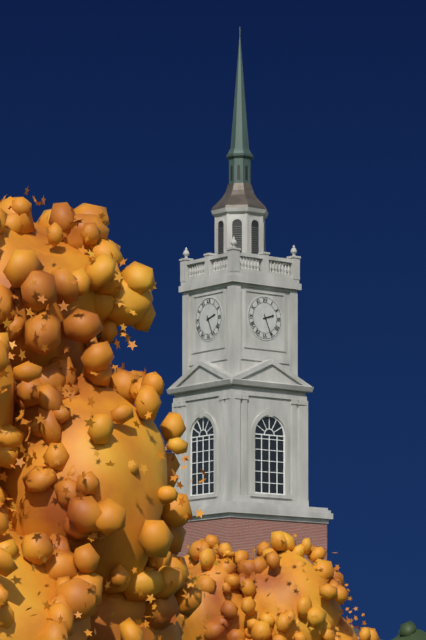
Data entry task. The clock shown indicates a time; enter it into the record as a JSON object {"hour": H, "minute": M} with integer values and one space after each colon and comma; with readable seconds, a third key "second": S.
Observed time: {"hour": 2, "minute": 26}
